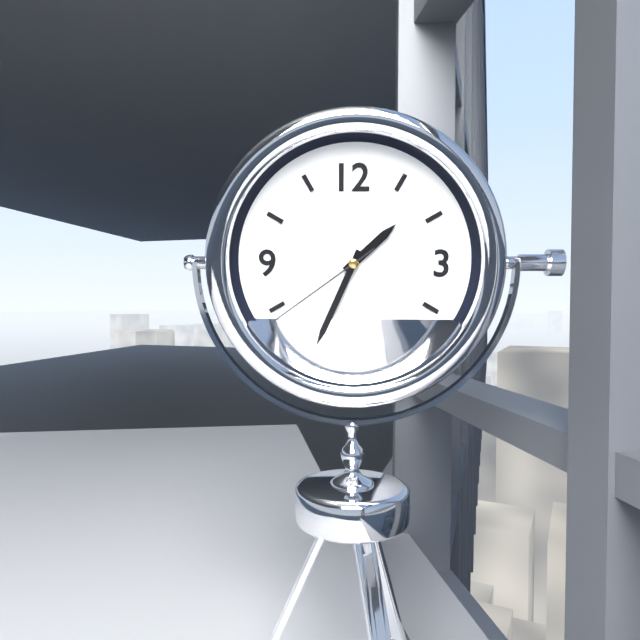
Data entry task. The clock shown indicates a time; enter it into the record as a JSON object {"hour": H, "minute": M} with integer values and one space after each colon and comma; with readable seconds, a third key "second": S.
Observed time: {"hour": 1, "minute": 34, "second": 39}
